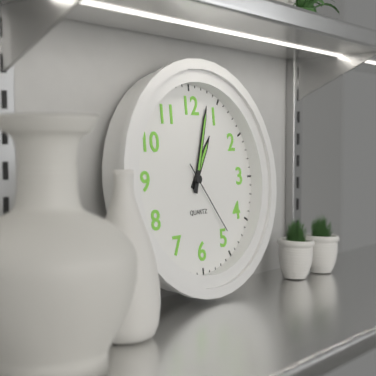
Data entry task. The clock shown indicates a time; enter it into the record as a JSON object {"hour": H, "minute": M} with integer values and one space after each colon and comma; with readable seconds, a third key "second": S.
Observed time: {"hour": 1, "minute": 3, "second": 24}
